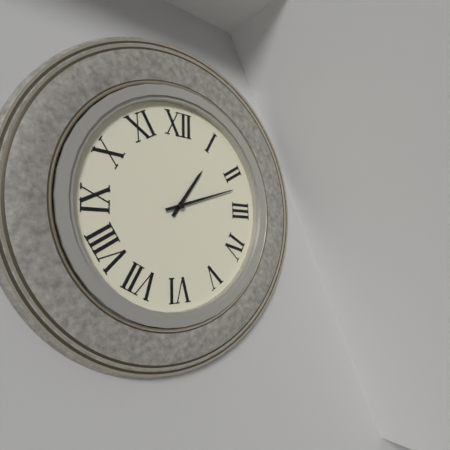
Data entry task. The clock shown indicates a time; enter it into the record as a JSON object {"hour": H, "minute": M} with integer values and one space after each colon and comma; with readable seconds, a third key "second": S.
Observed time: {"hour": 1, "minute": 12}
